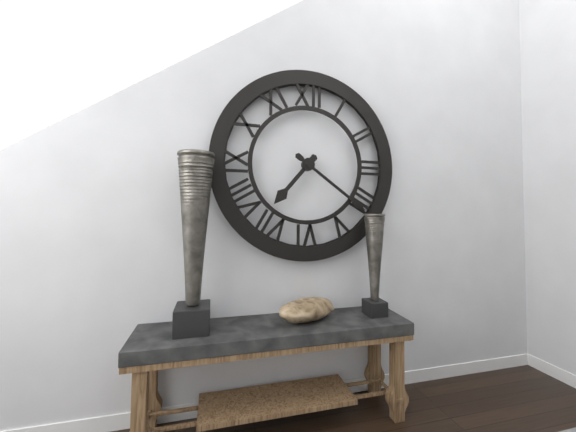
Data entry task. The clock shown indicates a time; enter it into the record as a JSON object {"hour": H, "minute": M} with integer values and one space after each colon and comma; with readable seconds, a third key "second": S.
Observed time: {"hour": 7, "minute": 21}
